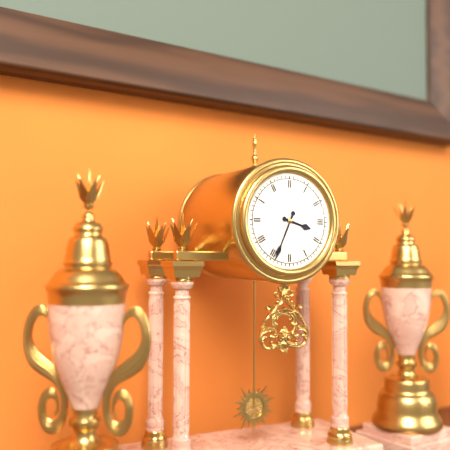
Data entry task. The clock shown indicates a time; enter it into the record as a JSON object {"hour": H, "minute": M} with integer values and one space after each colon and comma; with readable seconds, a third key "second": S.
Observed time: {"hour": 3, "minute": 34}
